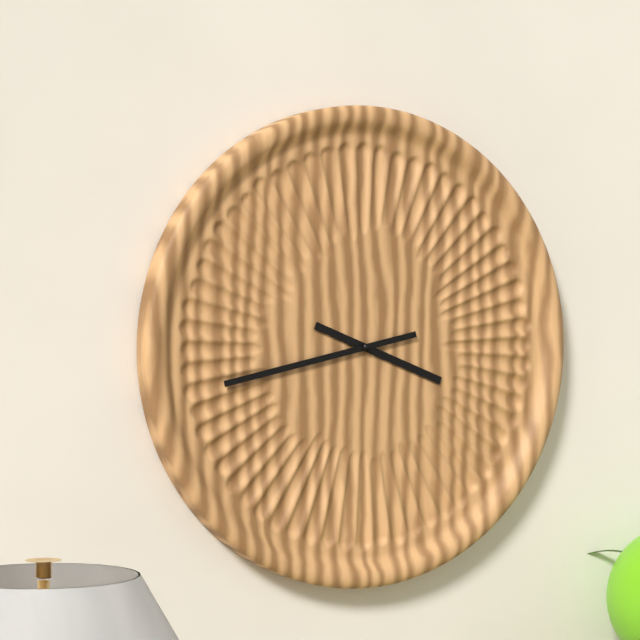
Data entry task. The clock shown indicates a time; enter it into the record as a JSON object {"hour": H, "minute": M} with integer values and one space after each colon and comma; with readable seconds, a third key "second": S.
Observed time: {"hour": 3, "minute": 43}
